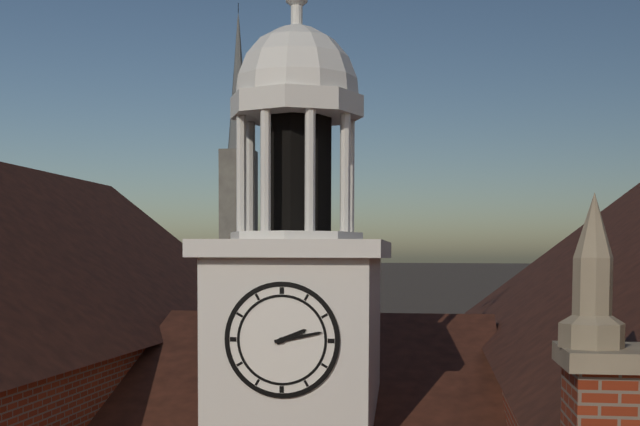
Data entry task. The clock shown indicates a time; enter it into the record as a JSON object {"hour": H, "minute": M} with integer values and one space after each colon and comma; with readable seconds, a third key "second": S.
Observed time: {"hour": 2, "minute": 13}
